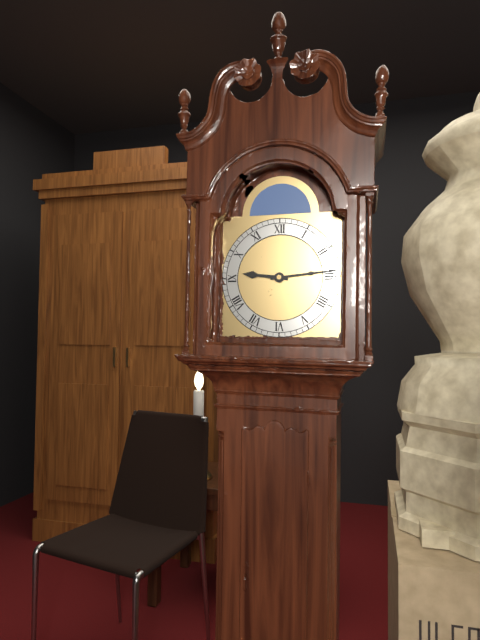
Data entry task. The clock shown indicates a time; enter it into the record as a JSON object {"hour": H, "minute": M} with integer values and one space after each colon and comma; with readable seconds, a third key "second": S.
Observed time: {"hour": 9, "minute": 14}
